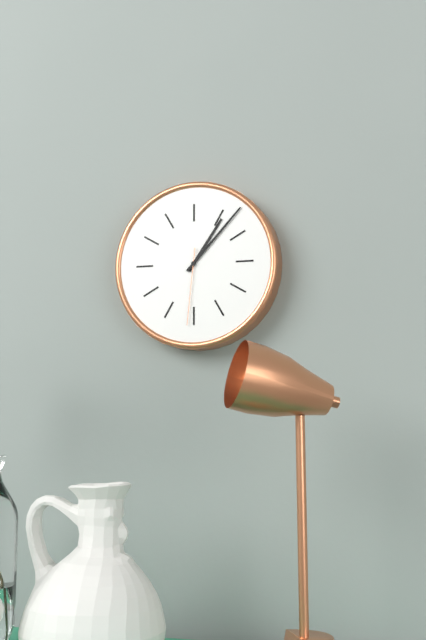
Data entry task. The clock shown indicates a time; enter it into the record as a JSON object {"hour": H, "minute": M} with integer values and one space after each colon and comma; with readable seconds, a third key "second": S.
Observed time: {"hour": 1, "minute": 7, "second": 31}
